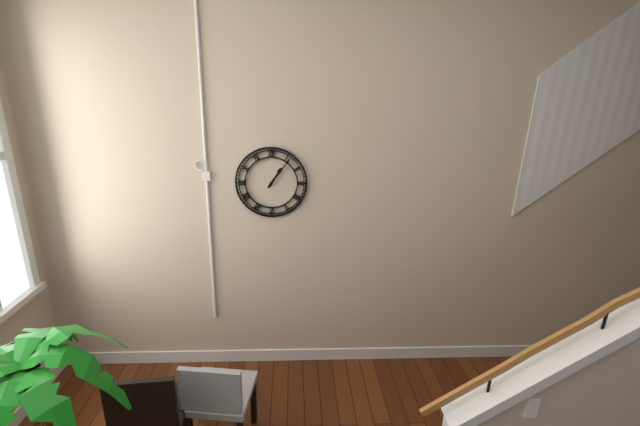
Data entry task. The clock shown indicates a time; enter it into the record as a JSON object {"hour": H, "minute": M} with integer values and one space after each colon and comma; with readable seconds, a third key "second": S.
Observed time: {"hour": 1, "minute": 6}
